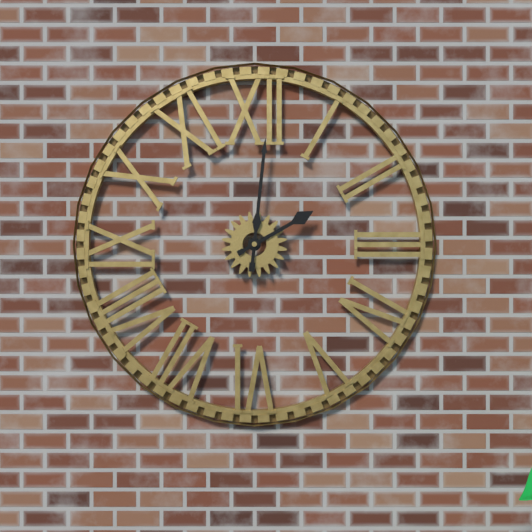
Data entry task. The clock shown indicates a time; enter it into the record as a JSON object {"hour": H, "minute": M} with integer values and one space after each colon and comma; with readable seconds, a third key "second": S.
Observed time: {"hour": 2, "minute": 1}
